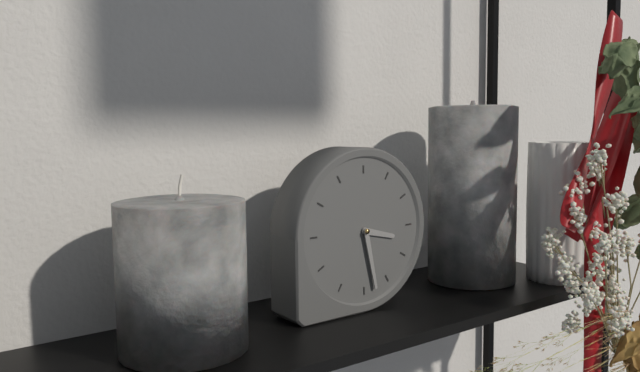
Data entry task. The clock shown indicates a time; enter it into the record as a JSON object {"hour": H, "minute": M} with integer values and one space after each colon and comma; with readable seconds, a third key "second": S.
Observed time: {"hour": 3, "minute": 28}
